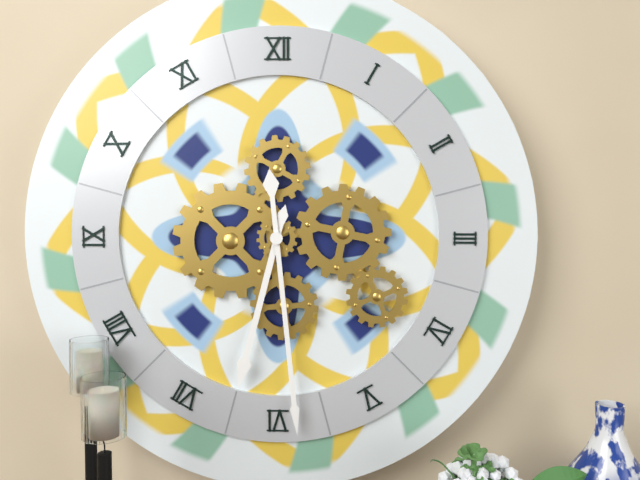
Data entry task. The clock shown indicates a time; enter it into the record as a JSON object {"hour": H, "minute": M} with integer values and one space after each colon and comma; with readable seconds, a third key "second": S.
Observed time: {"hour": 6, "minute": 29}
